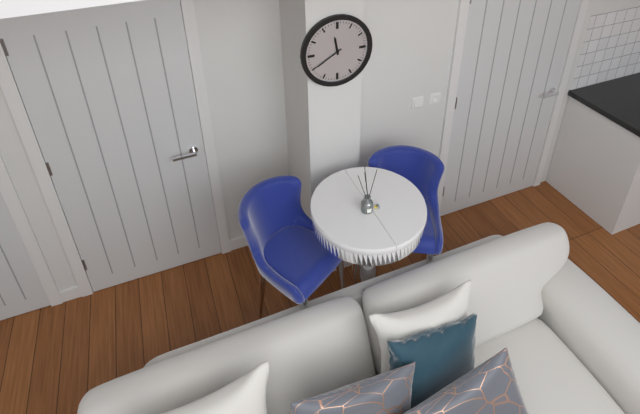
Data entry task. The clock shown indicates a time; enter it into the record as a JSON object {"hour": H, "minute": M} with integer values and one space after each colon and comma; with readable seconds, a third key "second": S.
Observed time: {"hour": 11, "minute": 40}
